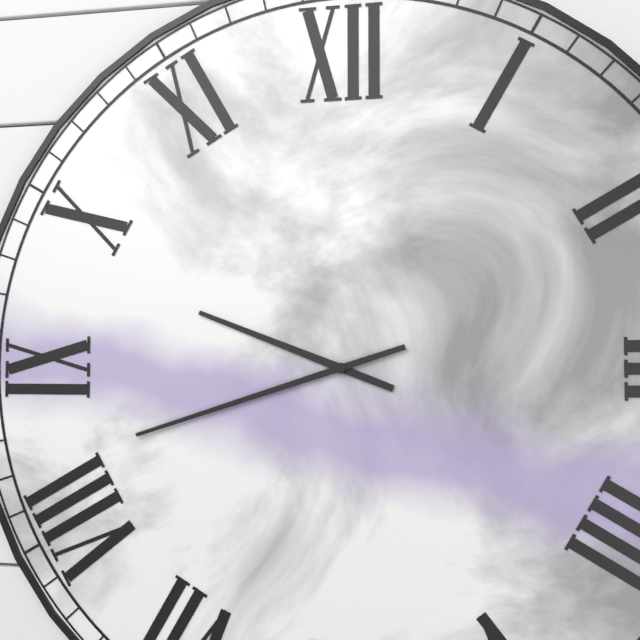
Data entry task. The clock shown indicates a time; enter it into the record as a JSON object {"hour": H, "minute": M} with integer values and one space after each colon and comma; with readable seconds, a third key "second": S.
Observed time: {"hour": 9, "minute": 42}
